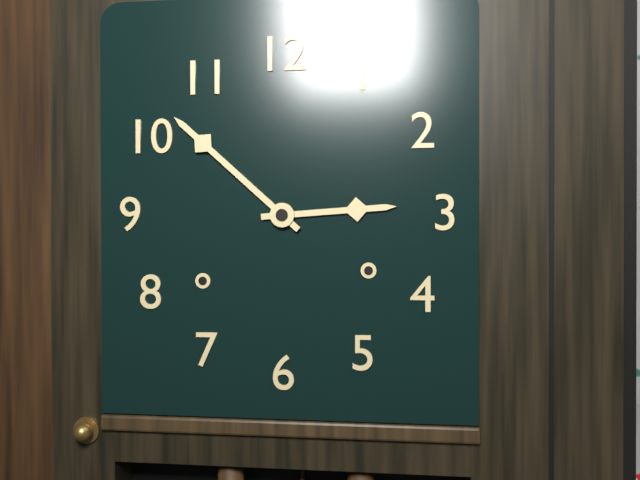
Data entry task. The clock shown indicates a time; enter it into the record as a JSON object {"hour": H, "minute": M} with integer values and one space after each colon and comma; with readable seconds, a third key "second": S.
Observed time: {"hour": 2, "minute": 52}
